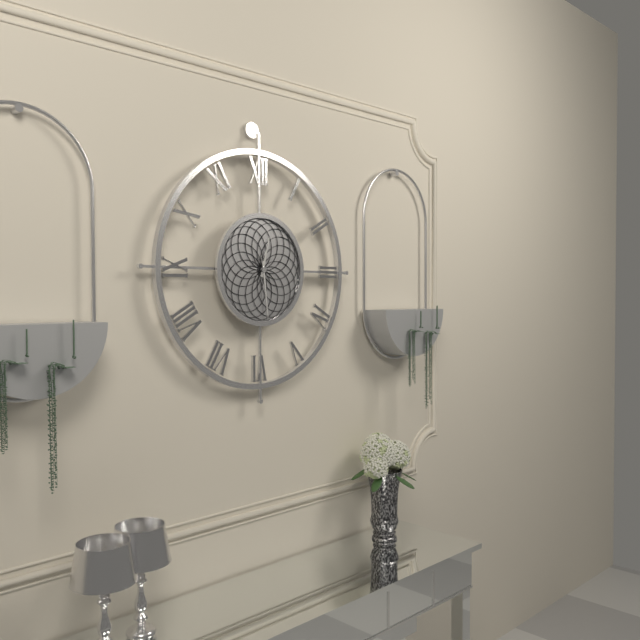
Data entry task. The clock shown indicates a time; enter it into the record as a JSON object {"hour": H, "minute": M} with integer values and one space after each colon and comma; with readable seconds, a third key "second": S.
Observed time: {"hour": 12, "minute": 29}
